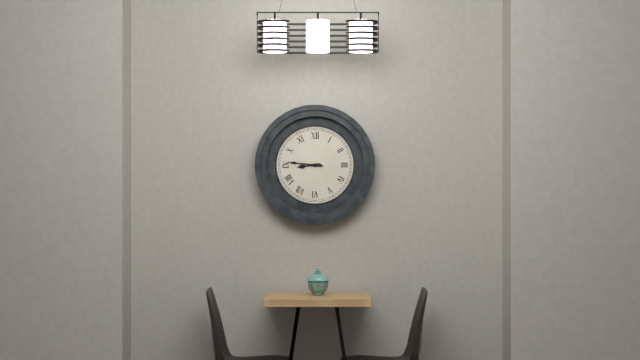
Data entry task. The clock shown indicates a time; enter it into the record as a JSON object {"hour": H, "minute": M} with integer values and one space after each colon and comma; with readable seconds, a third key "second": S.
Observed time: {"hour": 8, "minute": 46}
